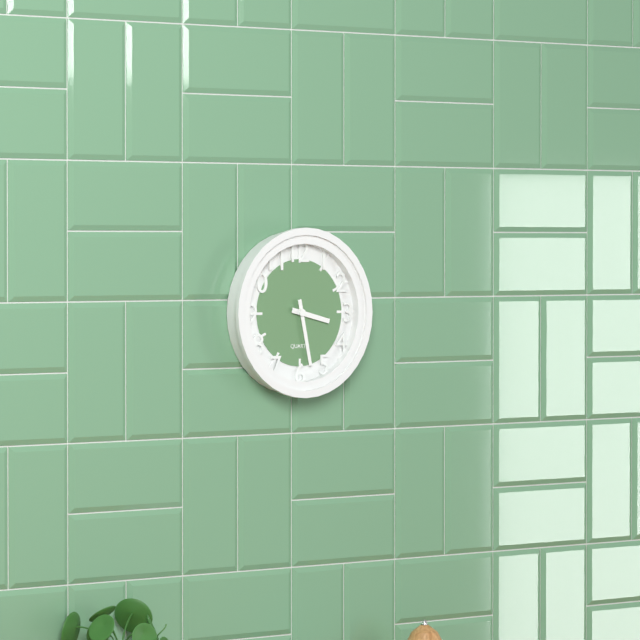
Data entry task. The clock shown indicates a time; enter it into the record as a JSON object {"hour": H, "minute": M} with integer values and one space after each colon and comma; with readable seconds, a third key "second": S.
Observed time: {"hour": 3, "minute": 28}
